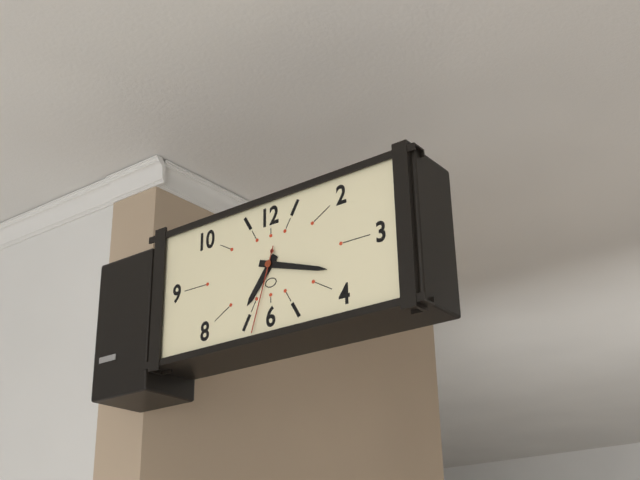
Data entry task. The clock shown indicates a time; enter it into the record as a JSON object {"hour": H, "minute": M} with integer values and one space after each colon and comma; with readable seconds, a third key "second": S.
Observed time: {"hour": 7, "minute": 18, "second": 33}
